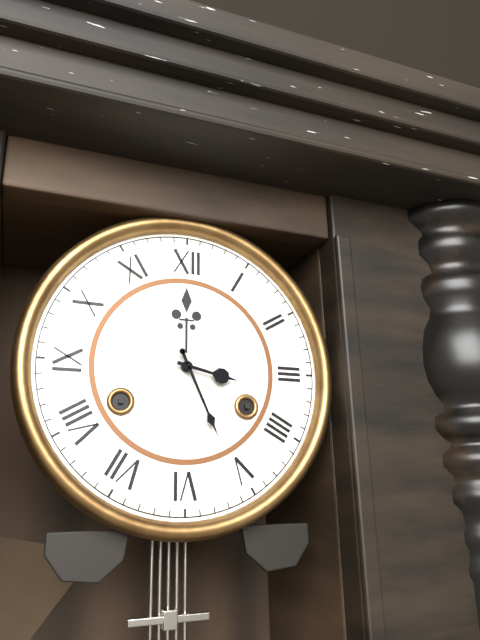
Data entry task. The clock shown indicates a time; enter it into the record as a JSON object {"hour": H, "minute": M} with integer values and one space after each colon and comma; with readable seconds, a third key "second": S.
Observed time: {"hour": 3, "minute": 26}
